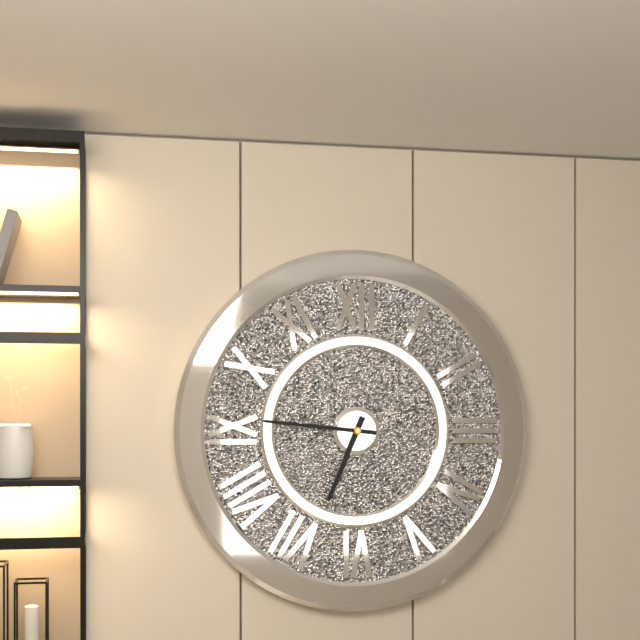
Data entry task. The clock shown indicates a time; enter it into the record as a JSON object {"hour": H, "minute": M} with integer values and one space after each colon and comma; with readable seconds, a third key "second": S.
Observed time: {"hour": 6, "minute": 46}
